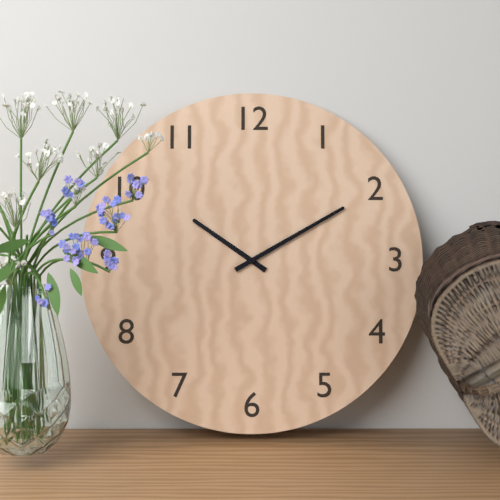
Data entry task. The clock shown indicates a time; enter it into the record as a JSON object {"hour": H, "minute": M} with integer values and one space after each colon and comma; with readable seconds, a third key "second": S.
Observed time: {"hour": 10, "minute": 10}
